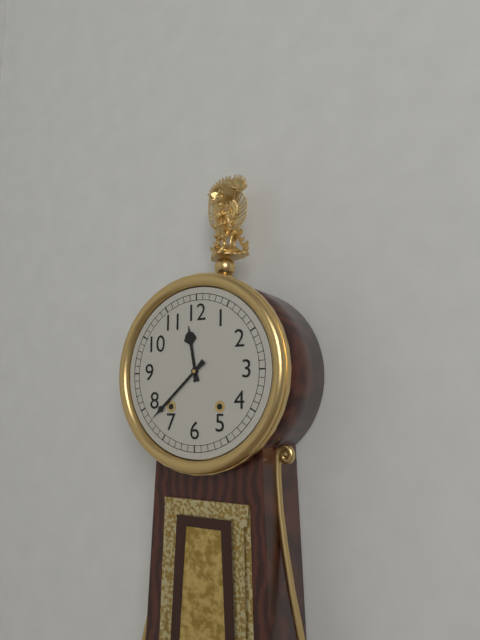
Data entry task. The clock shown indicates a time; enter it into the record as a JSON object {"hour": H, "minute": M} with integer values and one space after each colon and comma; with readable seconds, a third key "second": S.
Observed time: {"hour": 11, "minute": 38}
